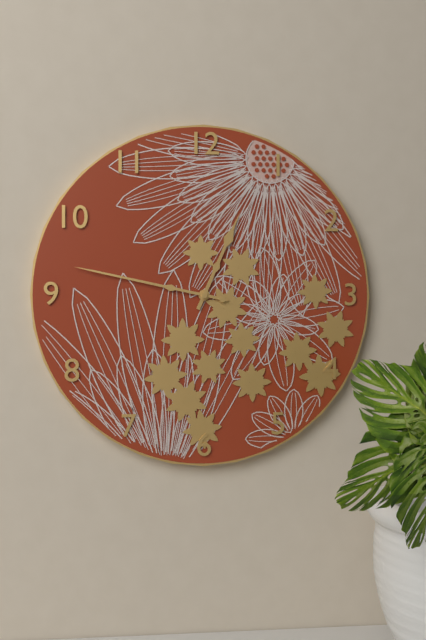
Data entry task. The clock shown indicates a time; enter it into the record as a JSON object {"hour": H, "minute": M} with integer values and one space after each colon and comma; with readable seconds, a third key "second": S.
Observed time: {"hour": 12, "minute": 47}
